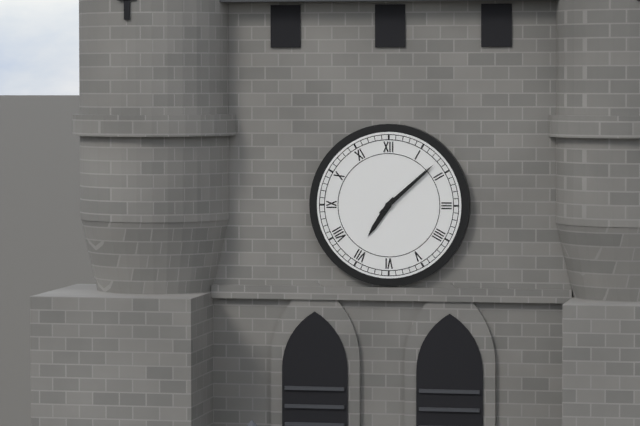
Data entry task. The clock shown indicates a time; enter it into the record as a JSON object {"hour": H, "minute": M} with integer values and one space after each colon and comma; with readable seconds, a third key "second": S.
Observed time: {"hour": 7, "minute": 8}
